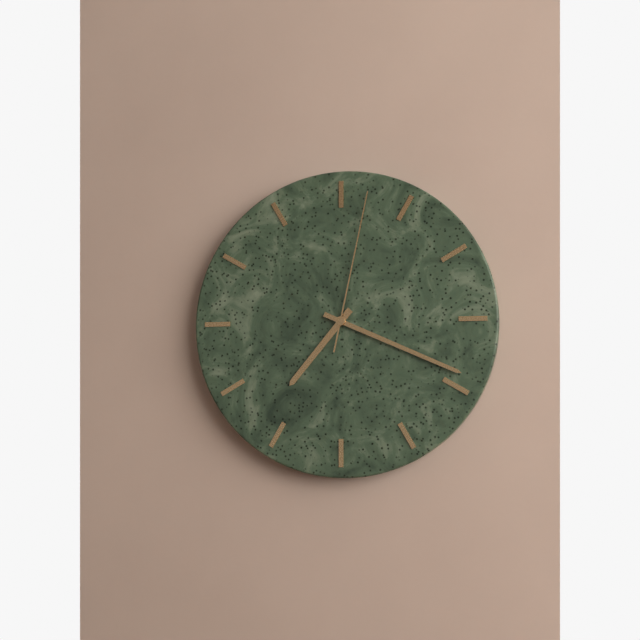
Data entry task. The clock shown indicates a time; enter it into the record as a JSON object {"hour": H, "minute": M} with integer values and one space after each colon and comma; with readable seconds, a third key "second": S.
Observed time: {"hour": 7, "minute": 19, "second": 2}
